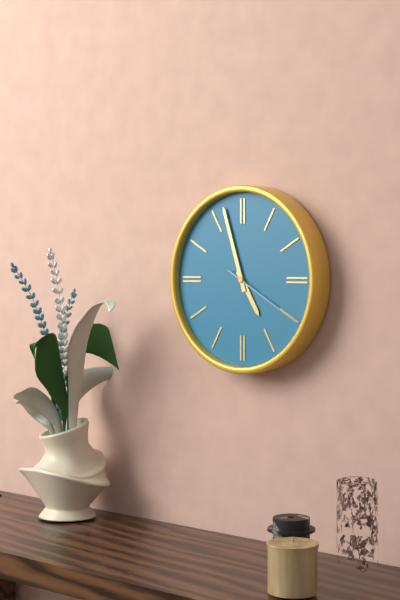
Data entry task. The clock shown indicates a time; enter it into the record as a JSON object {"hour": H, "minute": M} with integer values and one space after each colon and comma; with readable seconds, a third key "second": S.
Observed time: {"hour": 4, "minute": 57, "second": 20}
